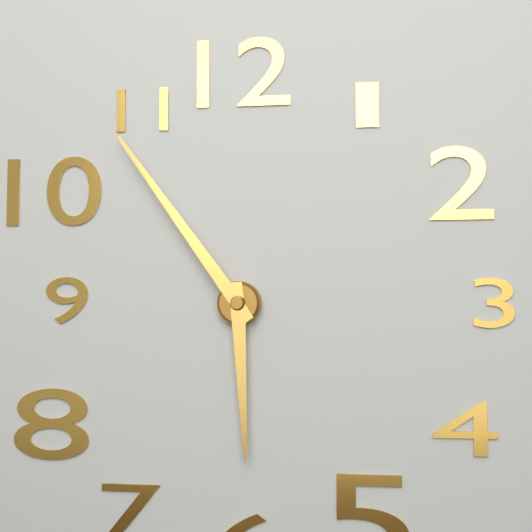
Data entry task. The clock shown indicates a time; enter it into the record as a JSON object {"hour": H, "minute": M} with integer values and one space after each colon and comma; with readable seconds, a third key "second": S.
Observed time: {"hour": 5, "minute": 54}
